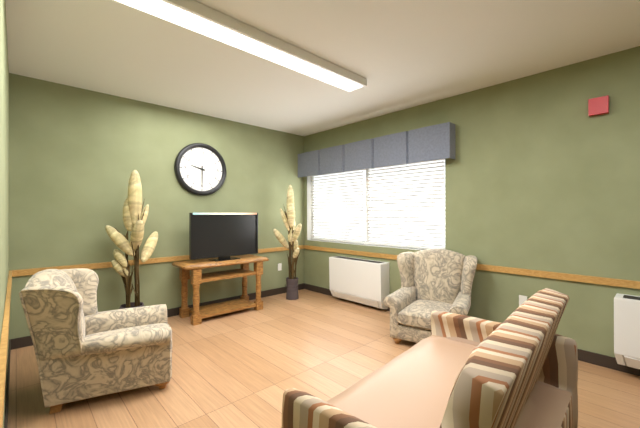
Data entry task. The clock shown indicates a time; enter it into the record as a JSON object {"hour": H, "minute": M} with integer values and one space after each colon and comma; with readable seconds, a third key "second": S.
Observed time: {"hour": 9, "minute": 30}
